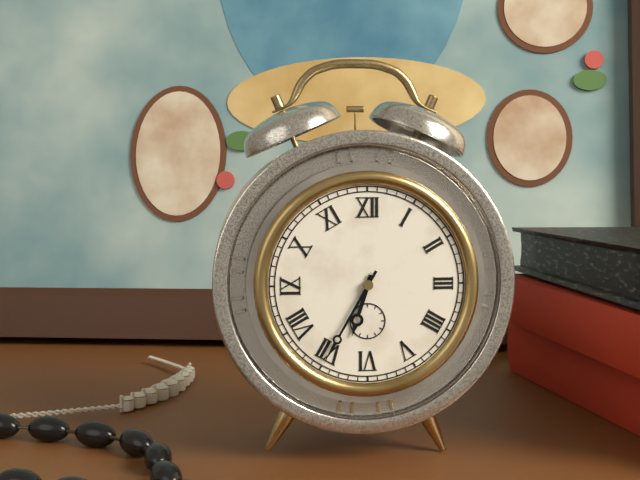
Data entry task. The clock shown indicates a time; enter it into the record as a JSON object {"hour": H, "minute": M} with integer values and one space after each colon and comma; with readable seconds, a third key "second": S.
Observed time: {"hour": 6, "minute": 35}
